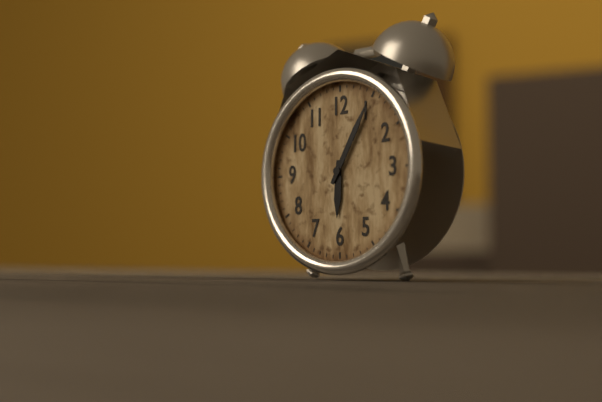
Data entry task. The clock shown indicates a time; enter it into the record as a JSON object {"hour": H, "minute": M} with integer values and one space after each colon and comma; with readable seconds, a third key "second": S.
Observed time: {"hour": 6, "minute": 5}
